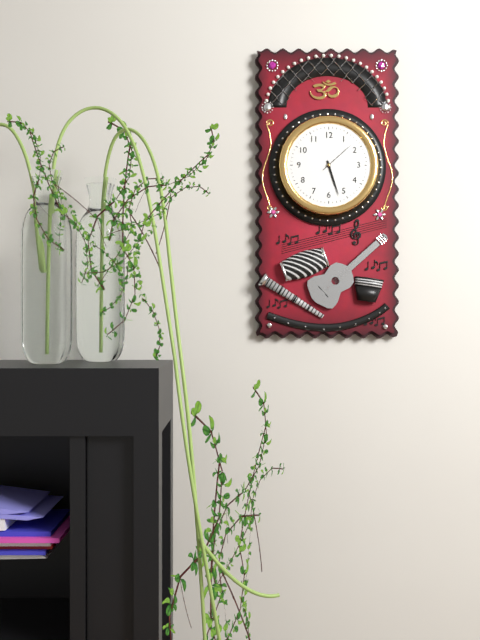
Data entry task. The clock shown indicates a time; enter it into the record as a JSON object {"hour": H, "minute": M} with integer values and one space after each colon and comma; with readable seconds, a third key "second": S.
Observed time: {"hour": 5, "minute": 27}
